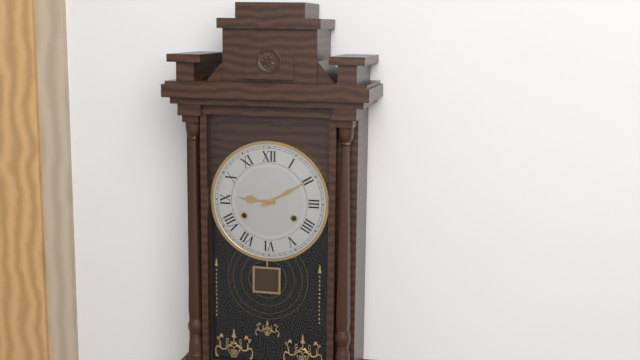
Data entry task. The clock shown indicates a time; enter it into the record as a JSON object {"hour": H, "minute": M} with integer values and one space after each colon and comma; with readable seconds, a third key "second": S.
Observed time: {"hour": 9, "minute": 10}
